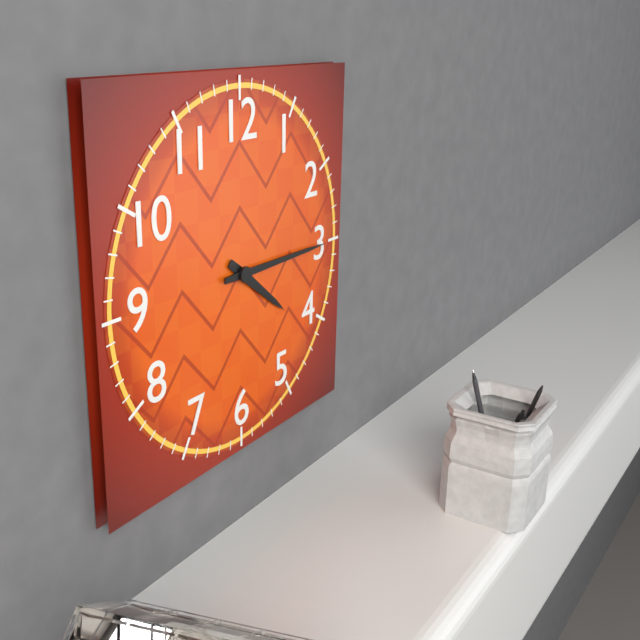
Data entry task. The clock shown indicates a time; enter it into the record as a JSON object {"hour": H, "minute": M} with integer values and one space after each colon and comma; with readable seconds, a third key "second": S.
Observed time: {"hour": 4, "minute": 15}
